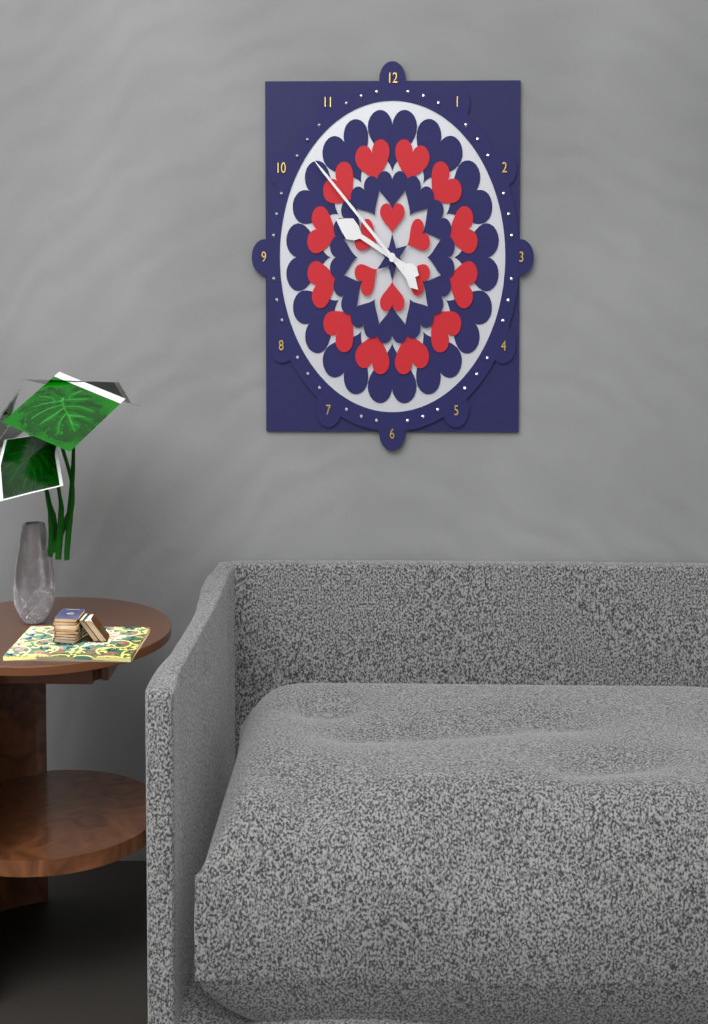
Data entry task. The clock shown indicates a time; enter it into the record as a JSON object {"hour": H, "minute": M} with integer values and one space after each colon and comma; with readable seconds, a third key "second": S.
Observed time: {"hour": 9, "minute": 52}
